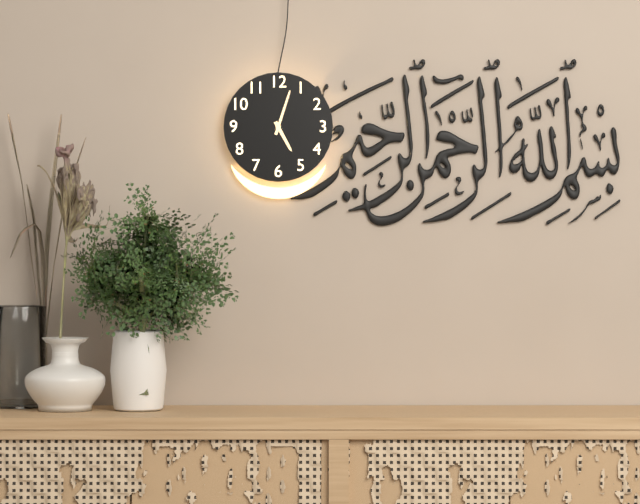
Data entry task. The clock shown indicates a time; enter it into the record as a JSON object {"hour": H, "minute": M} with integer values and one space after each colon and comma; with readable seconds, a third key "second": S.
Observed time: {"hour": 5, "minute": 3}
